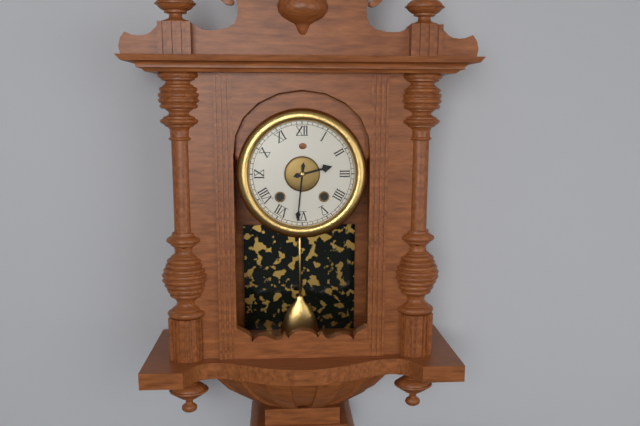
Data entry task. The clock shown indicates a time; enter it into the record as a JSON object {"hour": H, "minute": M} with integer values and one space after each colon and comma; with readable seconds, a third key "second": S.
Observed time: {"hour": 2, "minute": 31}
